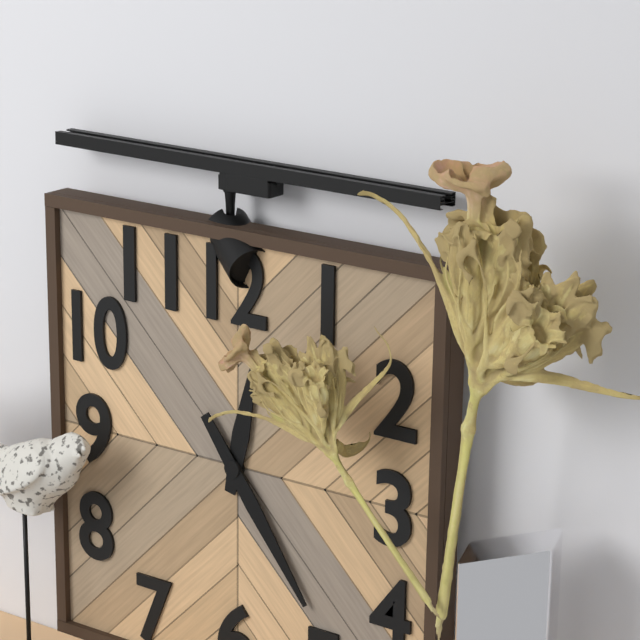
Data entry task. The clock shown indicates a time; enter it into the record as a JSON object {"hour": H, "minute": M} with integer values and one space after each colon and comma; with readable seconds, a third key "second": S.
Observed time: {"hour": 12, "minute": 24}
